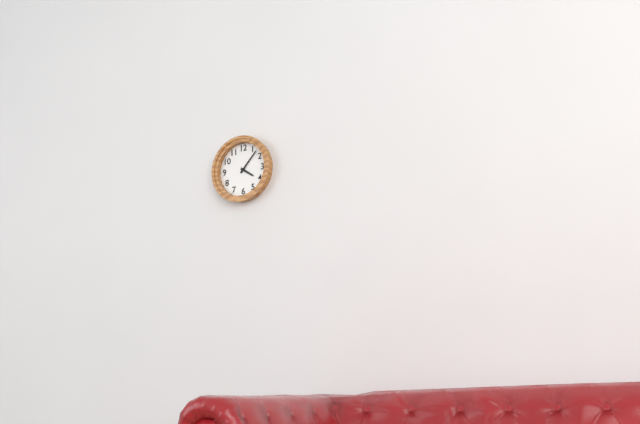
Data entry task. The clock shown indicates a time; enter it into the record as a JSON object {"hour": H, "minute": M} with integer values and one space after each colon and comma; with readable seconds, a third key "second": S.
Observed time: {"hour": 4, "minute": 7}
